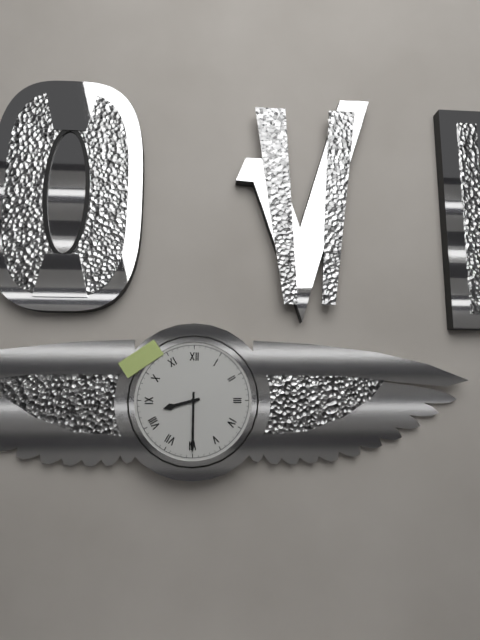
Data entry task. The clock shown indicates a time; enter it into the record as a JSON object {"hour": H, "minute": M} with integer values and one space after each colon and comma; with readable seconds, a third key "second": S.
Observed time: {"hour": 8, "minute": 30}
